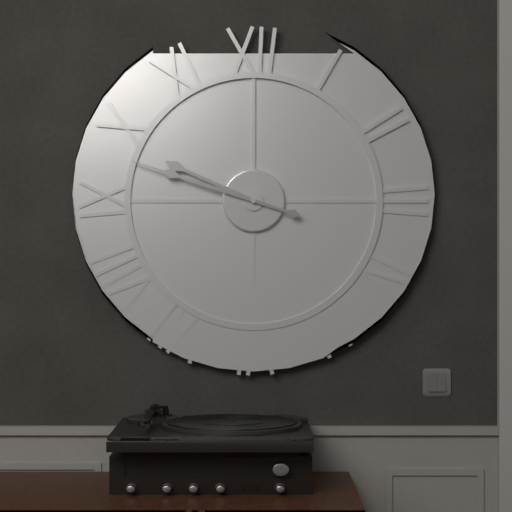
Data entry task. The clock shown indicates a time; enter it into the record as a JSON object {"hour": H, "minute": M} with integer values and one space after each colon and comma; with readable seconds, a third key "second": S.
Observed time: {"hour": 9, "minute": 48}
